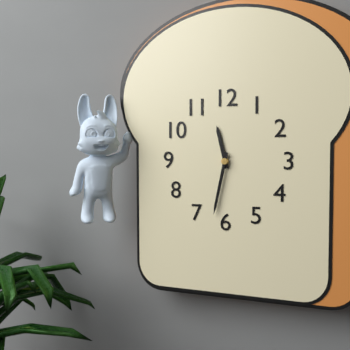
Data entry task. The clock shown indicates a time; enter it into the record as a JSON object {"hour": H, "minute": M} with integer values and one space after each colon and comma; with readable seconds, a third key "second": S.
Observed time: {"hour": 11, "minute": 32}
